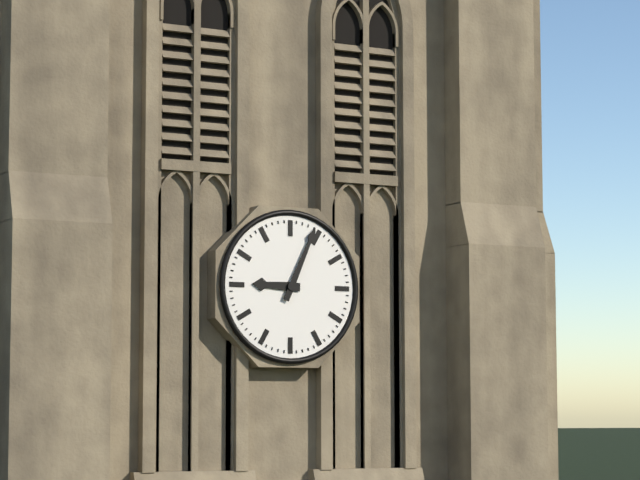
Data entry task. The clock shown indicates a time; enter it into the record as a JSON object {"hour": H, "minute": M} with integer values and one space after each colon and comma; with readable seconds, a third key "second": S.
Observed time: {"hour": 9, "minute": 4}
